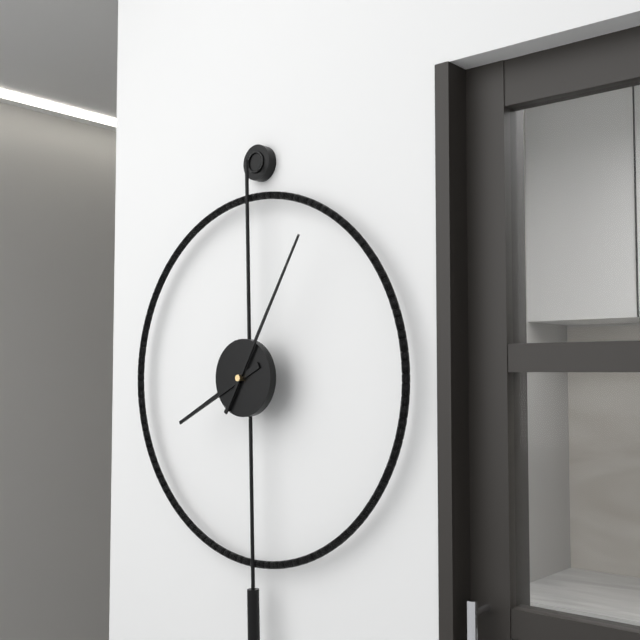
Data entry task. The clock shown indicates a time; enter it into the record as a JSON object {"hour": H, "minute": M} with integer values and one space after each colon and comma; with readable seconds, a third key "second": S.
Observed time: {"hour": 8, "minute": 5}
